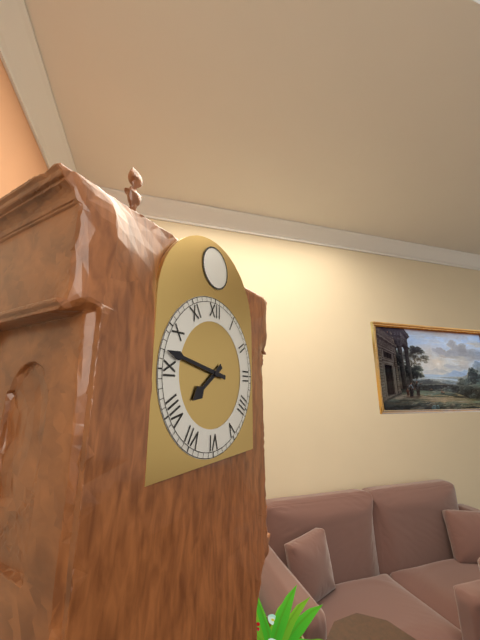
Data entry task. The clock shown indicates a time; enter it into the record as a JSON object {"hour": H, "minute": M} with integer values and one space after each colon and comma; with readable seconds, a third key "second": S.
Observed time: {"hour": 7, "minute": 47}
